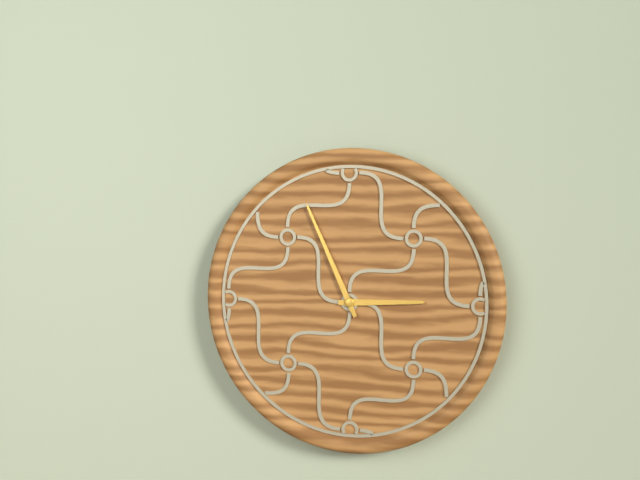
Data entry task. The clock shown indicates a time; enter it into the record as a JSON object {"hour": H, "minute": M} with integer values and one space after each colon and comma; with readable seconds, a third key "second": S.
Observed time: {"hour": 2, "minute": 56}
